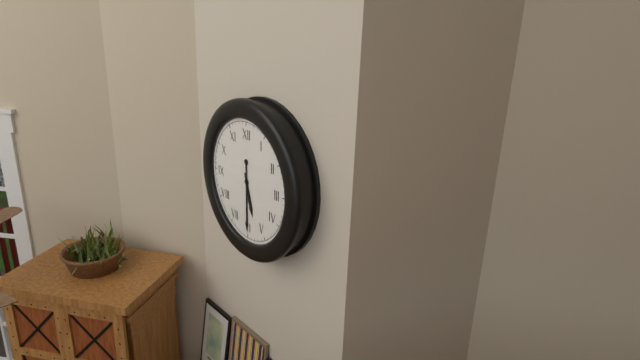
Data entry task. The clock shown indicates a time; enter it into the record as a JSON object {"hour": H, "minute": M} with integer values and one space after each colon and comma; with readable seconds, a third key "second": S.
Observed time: {"hour": 5, "minute": 30}
